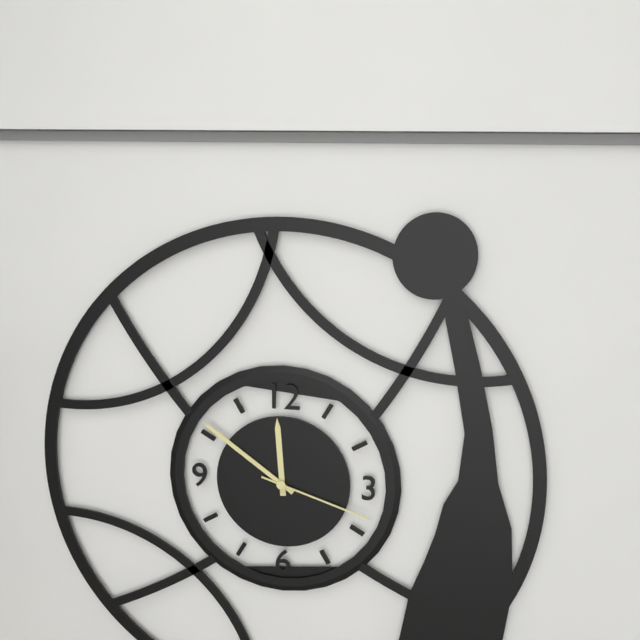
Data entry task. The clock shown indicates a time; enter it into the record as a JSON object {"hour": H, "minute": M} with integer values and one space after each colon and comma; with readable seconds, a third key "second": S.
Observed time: {"hour": 11, "minute": 51, "second": 18}
